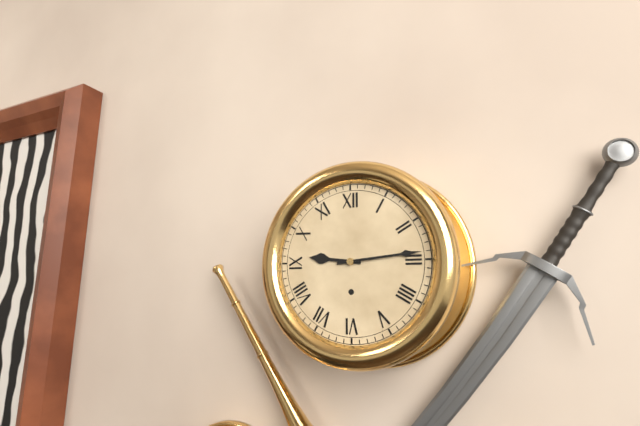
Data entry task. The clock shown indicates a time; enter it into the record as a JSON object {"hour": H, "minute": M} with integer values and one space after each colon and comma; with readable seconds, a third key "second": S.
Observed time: {"hour": 9, "minute": 14}
